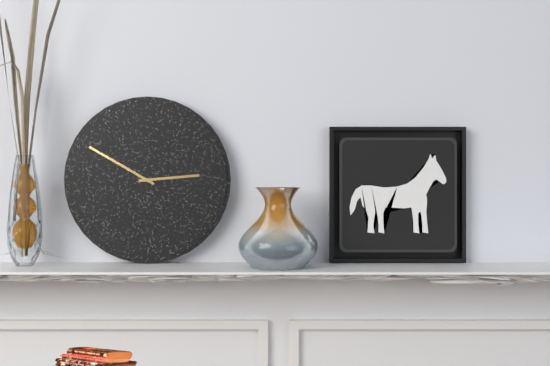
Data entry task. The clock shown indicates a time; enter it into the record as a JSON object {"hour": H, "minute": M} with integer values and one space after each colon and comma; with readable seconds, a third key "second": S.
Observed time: {"hour": 2, "minute": 50}
